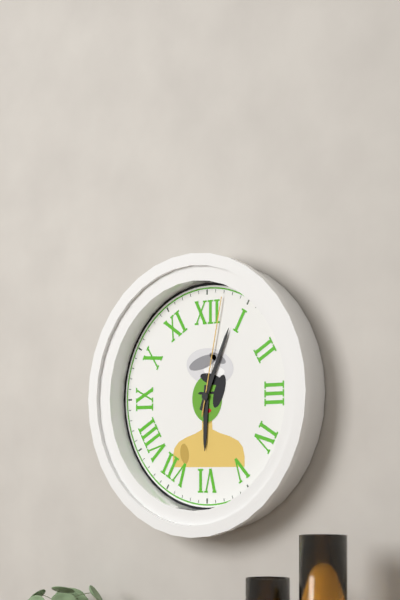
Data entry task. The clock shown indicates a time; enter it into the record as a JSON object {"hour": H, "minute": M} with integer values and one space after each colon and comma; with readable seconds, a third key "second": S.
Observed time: {"hour": 6, "minute": 4, "second": 2}
